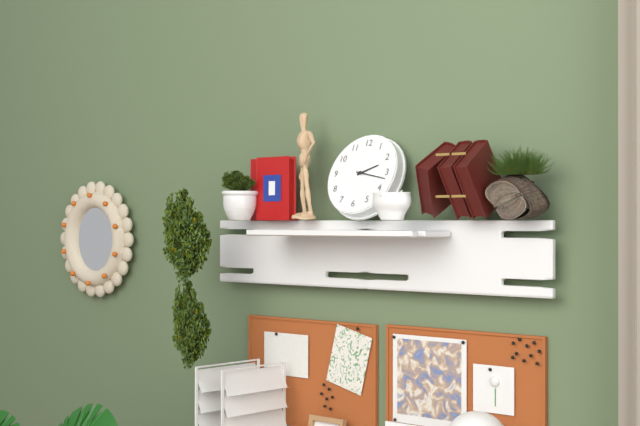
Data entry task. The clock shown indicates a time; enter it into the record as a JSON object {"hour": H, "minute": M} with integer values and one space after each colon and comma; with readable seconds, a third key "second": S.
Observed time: {"hour": 2, "minute": 17}
